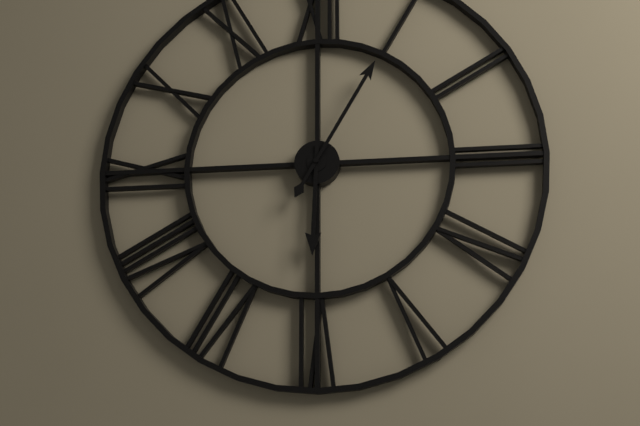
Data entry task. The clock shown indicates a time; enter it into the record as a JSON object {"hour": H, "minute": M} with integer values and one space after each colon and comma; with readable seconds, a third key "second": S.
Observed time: {"hour": 6, "minute": 5}
